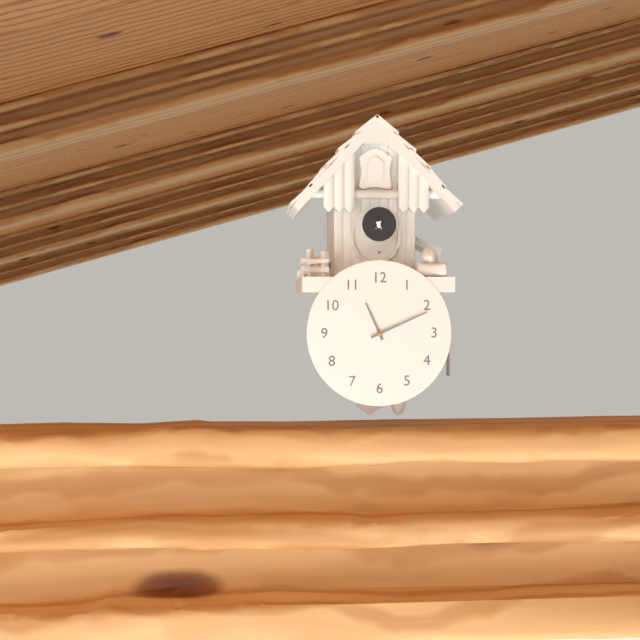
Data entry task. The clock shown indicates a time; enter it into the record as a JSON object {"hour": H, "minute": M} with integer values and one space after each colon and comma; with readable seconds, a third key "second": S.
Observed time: {"hour": 11, "minute": 11}
